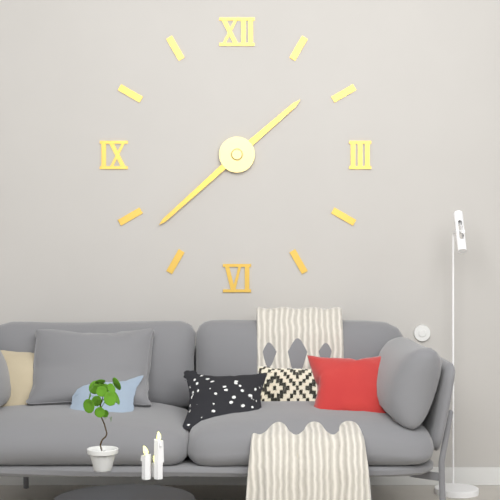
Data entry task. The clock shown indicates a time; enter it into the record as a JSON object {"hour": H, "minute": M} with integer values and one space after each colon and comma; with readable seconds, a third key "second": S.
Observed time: {"hour": 1, "minute": 38}
